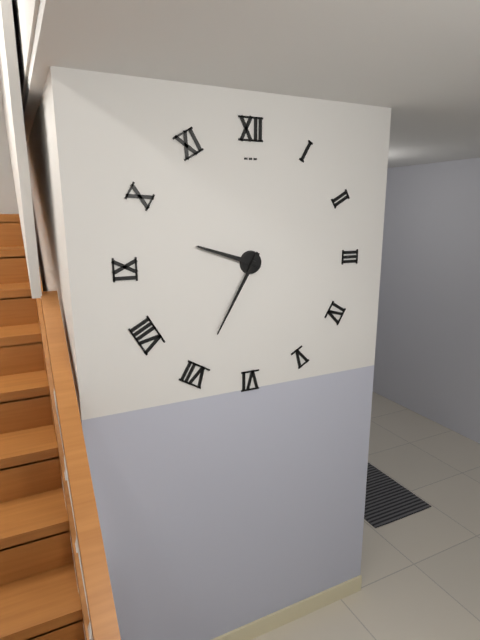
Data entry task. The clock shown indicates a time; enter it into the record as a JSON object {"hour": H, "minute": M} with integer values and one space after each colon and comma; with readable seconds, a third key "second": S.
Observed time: {"hour": 9, "minute": 35}
